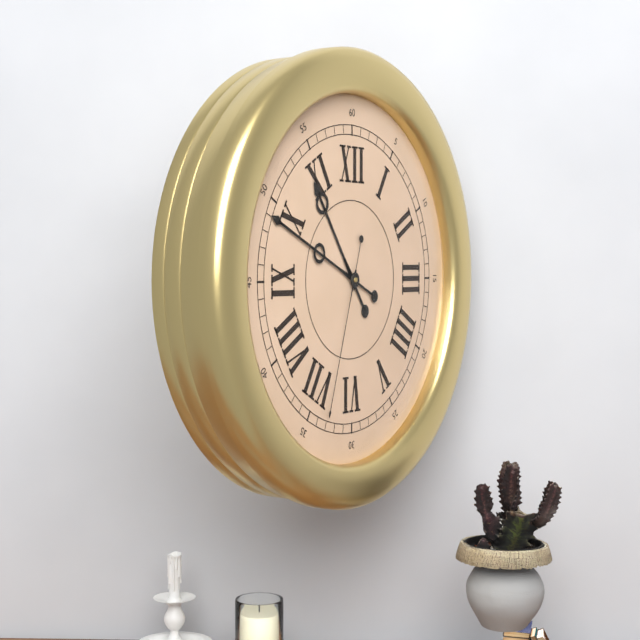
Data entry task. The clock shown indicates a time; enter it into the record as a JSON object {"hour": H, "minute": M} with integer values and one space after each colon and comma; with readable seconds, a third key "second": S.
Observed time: {"hour": 10, "minute": 49, "second": 33}
